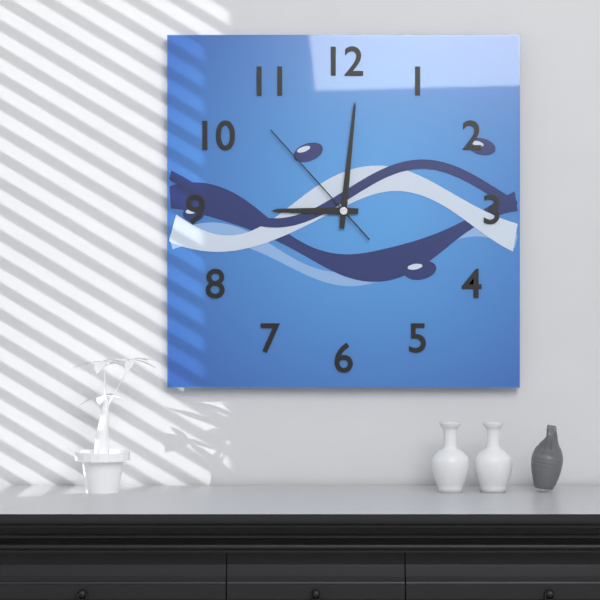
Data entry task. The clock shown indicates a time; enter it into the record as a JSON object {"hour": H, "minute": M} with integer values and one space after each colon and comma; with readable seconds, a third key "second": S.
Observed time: {"hour": 9, "minute": 1, "second": 53}
